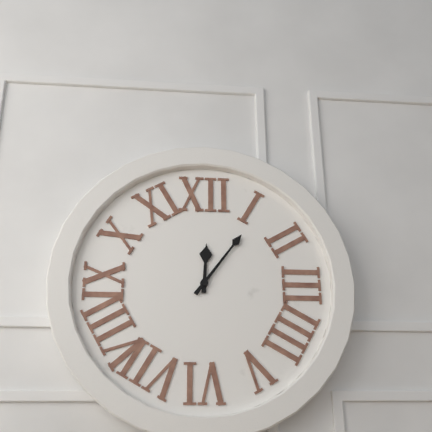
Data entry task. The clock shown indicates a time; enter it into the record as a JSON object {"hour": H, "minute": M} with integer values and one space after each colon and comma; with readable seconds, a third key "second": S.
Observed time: {"hour": 12, "minute": 6}
